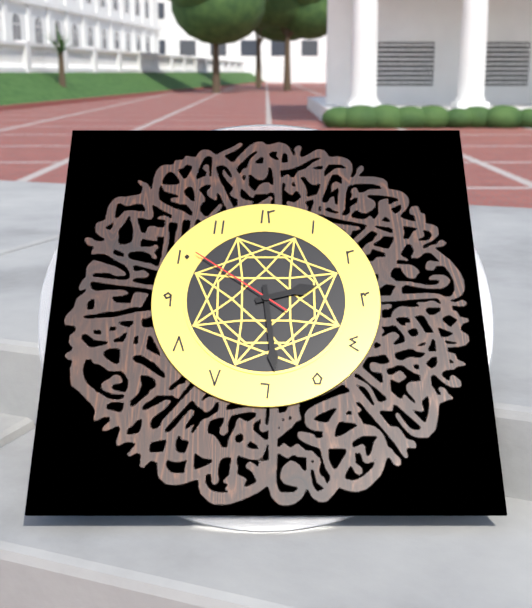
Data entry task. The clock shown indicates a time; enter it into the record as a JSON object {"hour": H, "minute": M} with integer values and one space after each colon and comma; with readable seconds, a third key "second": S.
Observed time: {"hour": 2, "minute": 29, "second": 51}
